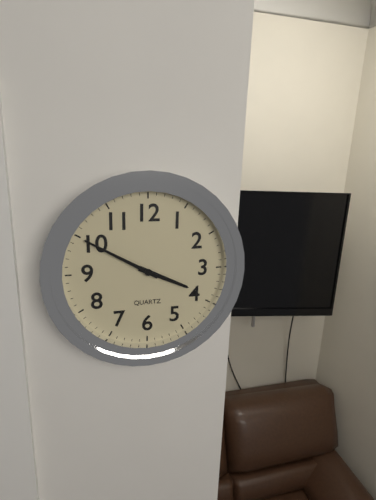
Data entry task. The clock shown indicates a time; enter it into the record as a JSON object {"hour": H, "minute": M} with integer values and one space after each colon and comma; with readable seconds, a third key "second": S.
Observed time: {"hour": 3, "minute": 50}
